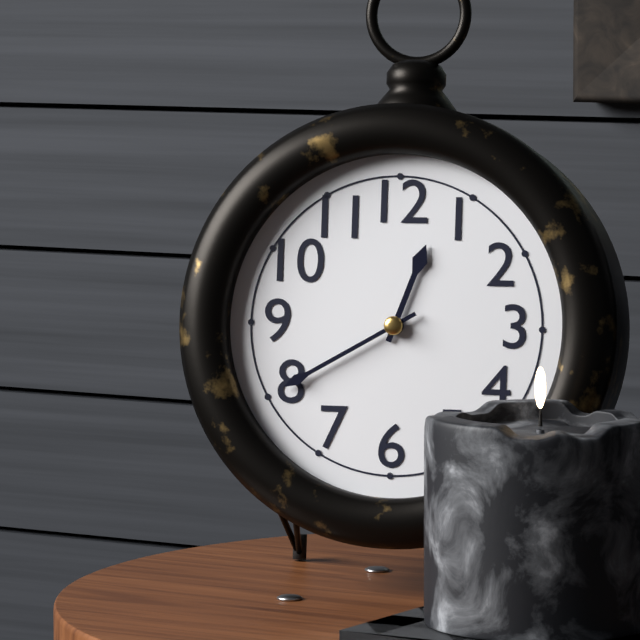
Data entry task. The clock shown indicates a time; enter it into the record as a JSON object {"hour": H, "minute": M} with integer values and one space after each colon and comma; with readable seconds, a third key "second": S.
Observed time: {"hour": 12, "minute": 40}
